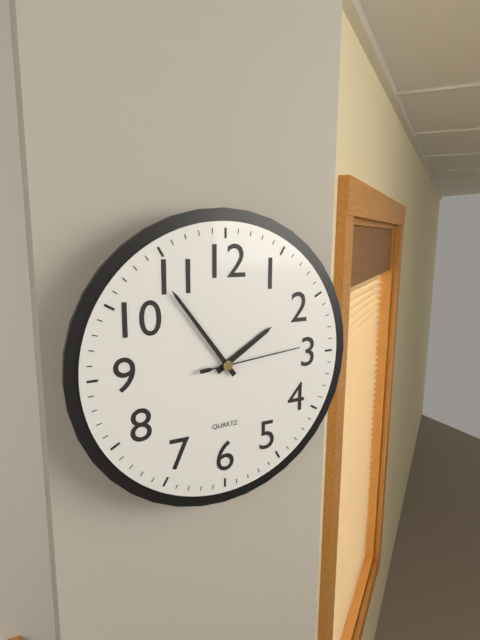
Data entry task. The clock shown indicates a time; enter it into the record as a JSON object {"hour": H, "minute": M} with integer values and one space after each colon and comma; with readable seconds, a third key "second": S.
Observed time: {"hour": 1, "minute": 54, "second": 14}
